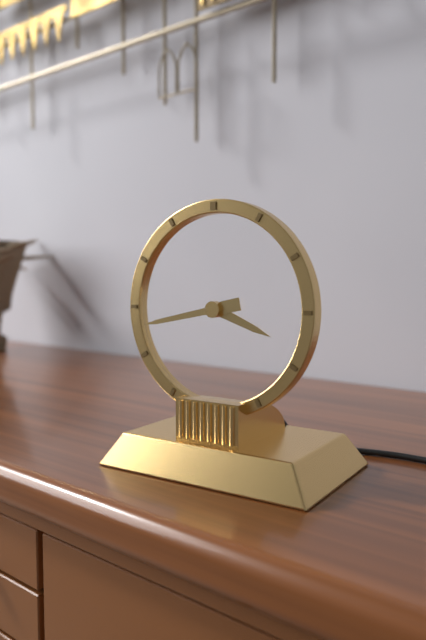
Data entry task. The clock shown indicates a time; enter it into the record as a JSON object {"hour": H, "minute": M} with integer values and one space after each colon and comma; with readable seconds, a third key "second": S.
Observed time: {"hour": 3, "minute": 43}
